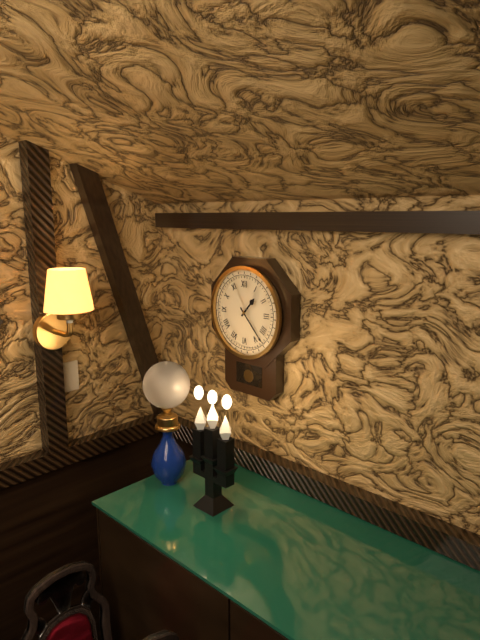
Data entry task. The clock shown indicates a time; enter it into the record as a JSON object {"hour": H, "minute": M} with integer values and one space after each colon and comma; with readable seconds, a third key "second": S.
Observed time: {"hour": 1, "minute": 23}
